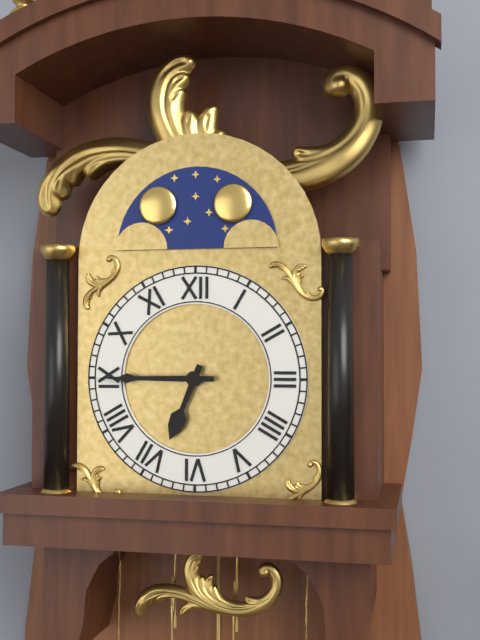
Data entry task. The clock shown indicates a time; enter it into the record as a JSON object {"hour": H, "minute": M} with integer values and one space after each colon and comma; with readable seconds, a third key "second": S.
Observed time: {"hour": 6, "minute": 45}
